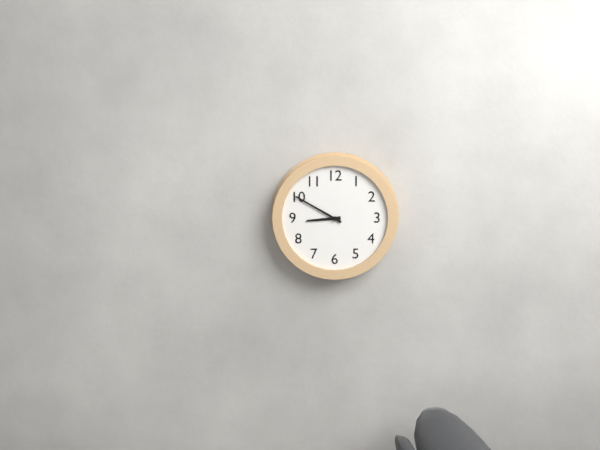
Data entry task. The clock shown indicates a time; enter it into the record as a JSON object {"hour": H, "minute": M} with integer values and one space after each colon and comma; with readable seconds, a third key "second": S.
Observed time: {"hour": 8, "minute": 50}
